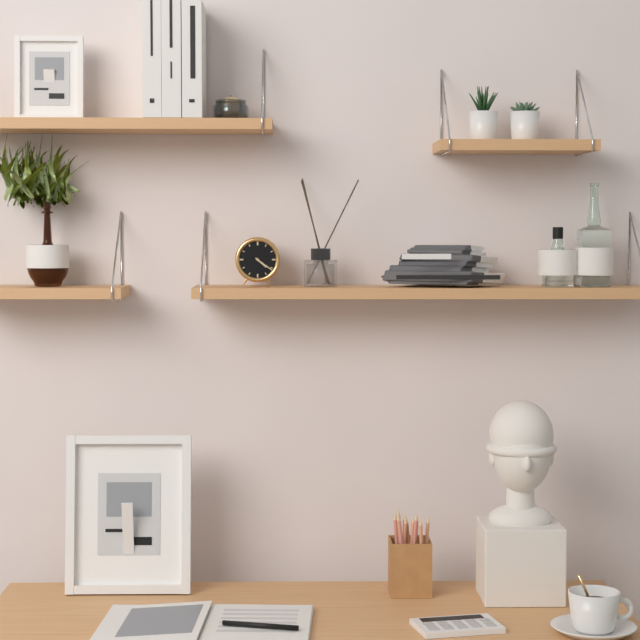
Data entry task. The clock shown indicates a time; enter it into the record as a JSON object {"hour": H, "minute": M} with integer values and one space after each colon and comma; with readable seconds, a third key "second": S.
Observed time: {"hour": 4, "minute": 21}
